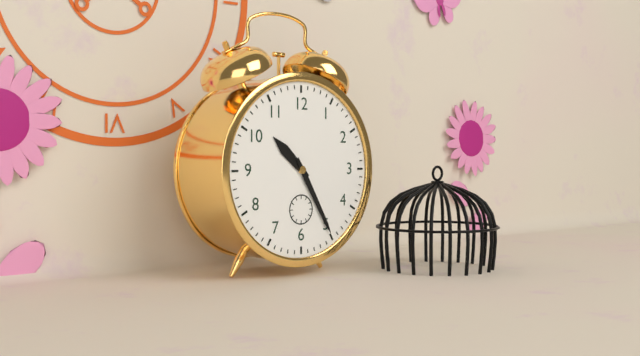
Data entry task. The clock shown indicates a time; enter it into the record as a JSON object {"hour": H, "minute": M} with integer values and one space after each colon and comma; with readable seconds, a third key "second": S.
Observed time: {"hour": 10, "minute": 25}
